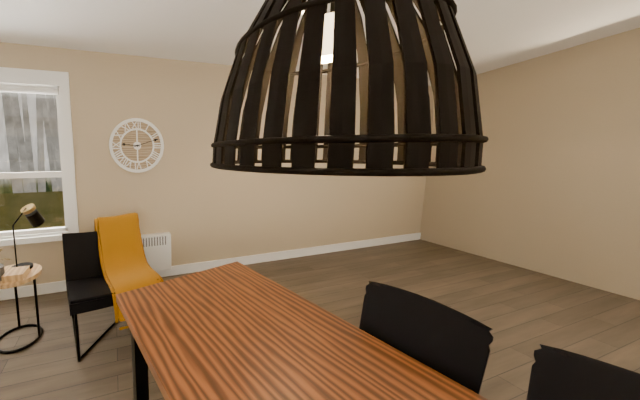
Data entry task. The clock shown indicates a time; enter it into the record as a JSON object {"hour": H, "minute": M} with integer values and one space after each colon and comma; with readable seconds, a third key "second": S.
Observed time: {"hour": 9, "minute": 12}
